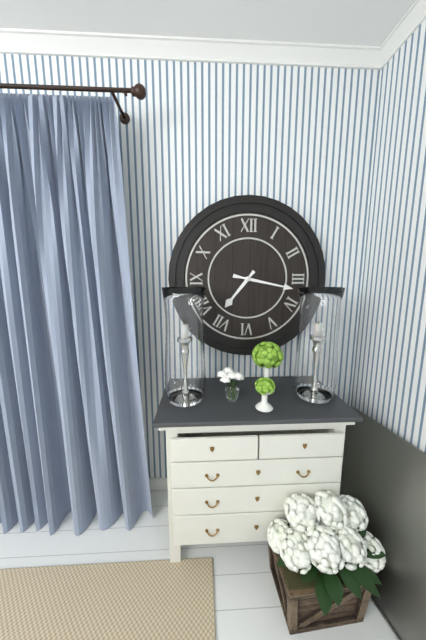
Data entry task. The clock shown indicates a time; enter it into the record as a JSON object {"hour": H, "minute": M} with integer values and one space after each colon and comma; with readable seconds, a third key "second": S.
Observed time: {"hour": 7, "minute": 17}
